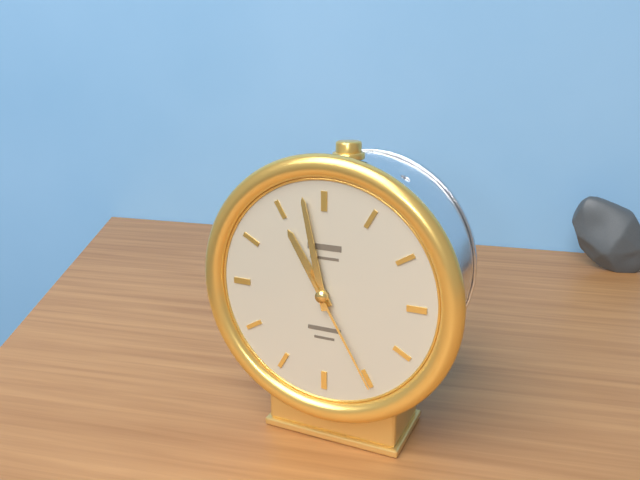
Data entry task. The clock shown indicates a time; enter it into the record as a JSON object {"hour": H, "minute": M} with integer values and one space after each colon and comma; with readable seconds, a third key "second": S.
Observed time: {"hour": 10, "minute": 58, "second": 25}
